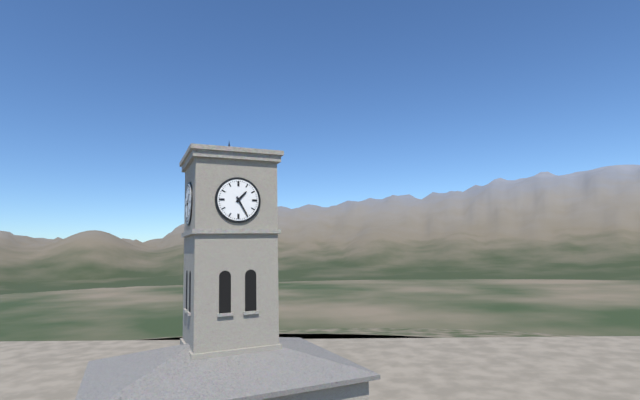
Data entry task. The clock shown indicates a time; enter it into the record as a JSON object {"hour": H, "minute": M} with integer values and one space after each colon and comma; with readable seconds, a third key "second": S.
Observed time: {"hour": 1, "minute": 25}
